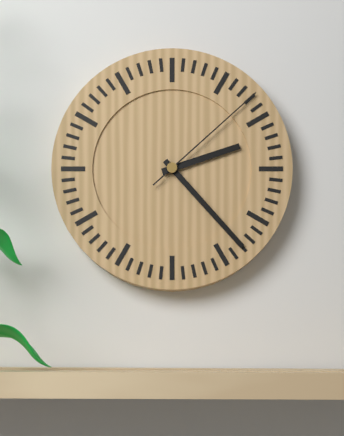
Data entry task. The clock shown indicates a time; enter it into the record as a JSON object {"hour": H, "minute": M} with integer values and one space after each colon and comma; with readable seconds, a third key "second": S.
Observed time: {"hour": 2, "minute": 23, "second": 8}
